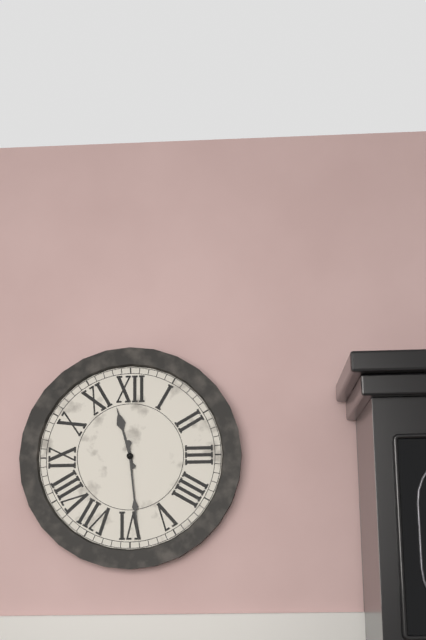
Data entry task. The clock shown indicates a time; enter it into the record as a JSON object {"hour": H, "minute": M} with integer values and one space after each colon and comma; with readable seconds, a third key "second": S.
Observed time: {"hour": 11, "minute": 29}
